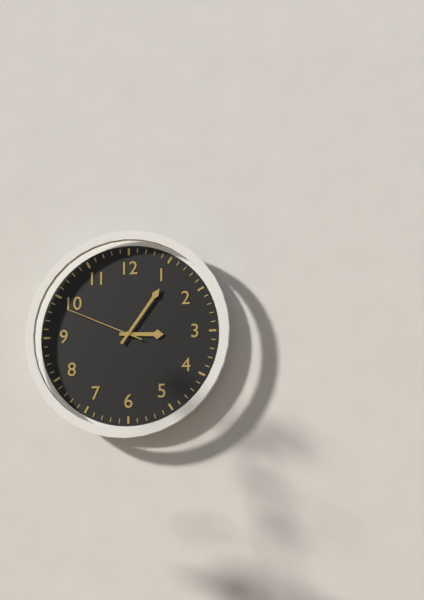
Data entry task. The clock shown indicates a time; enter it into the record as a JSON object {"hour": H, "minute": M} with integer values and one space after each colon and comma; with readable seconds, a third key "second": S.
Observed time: {"hour": 3, "minute": 6, "second": 49}
